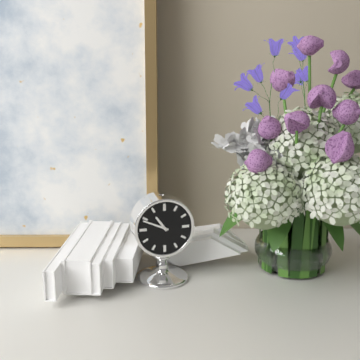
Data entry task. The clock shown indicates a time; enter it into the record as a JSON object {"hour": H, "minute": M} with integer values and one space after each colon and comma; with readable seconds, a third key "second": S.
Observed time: {"hour": 10, "minute": 49}
